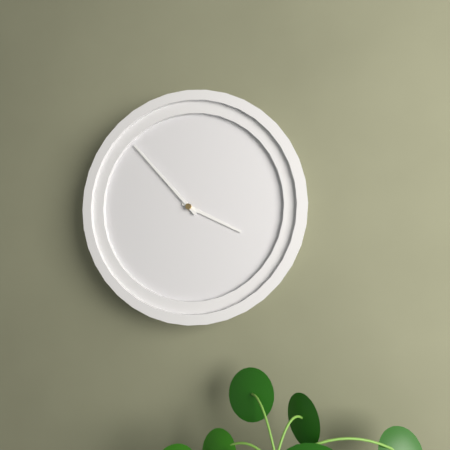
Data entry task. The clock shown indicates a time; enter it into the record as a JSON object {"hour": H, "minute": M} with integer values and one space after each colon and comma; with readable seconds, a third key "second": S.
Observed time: {"hour": 3, "minute": 53}
